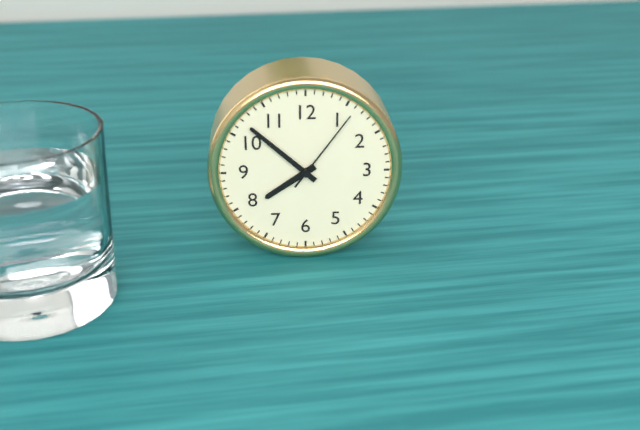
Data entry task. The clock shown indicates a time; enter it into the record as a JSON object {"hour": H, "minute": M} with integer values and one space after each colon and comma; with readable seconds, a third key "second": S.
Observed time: {"hour": 7, "minute": 52, "second": 6}
